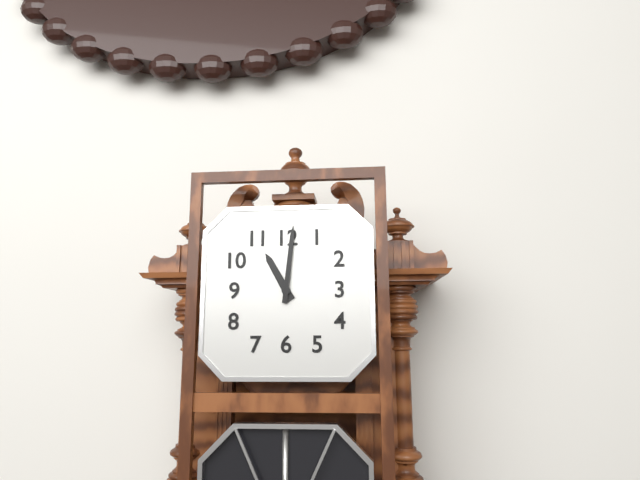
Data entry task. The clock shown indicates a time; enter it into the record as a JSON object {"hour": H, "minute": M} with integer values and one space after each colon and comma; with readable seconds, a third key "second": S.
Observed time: {"hour": 11, "minute": 1}
